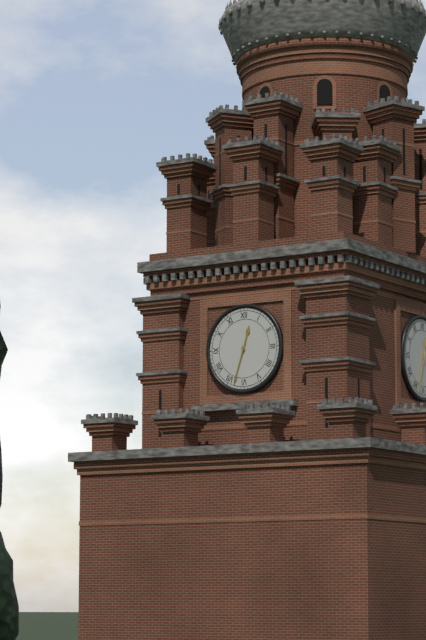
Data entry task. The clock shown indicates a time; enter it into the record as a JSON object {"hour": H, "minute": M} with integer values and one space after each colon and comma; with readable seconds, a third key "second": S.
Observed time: {"hour": 12, "minute": 33}
